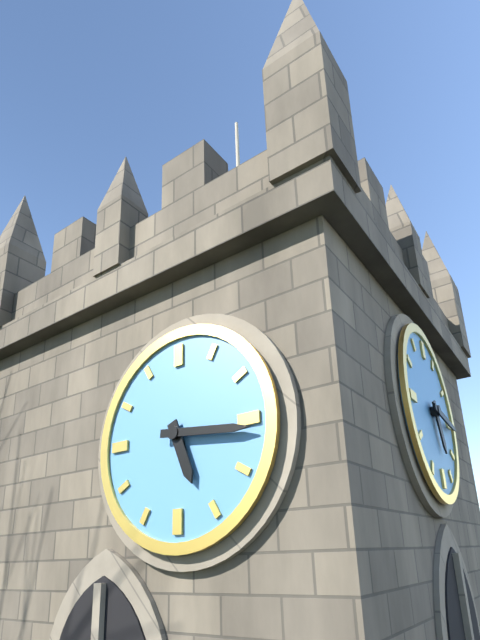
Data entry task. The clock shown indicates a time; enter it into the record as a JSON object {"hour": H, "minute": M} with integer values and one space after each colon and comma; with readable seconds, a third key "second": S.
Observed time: {"hour": 5, "minute": 16}
